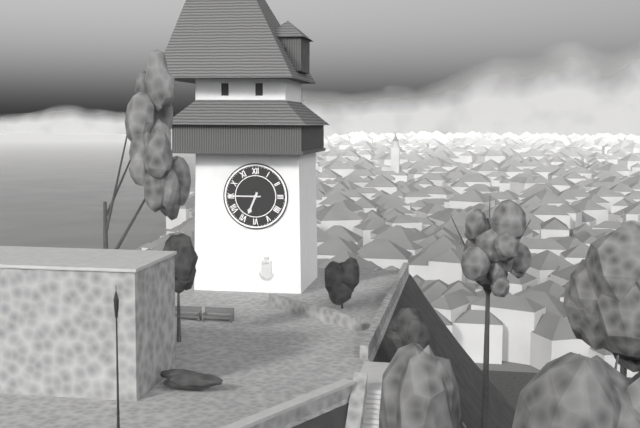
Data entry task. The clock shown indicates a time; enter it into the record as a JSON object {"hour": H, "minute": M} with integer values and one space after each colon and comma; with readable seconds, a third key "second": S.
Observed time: {"hour": 6, "minute": 45}
